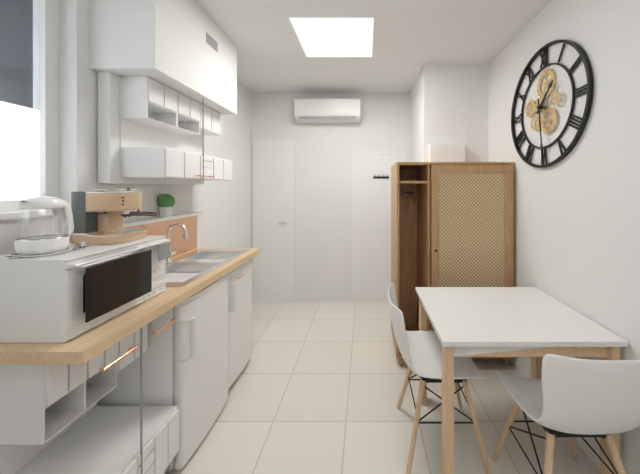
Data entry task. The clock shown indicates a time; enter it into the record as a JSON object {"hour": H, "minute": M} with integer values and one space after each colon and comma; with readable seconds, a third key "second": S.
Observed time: {"hour": 1, "minute": 29}
